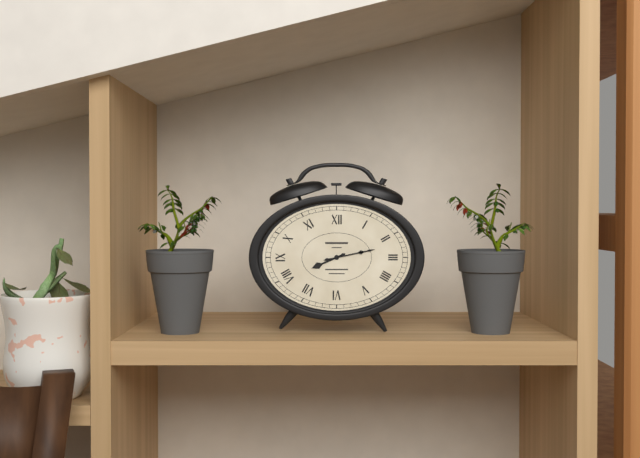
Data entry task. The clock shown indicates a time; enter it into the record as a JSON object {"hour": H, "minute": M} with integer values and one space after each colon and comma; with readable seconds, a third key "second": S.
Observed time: {"hour": 8, "minute": 13}
